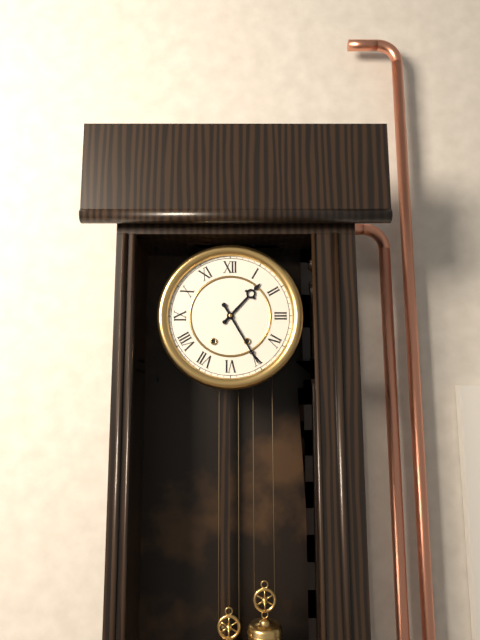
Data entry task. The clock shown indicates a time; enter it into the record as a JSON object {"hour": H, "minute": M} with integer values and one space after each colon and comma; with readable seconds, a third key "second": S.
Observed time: {"hour": 1, "minute": 25}
